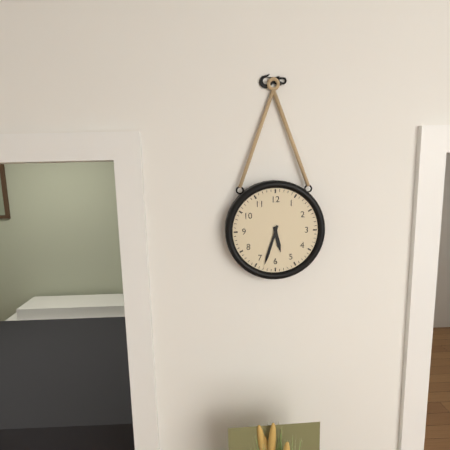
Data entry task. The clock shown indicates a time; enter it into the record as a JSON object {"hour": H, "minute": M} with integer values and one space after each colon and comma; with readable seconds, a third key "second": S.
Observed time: {"hour": 5, "minute": 33}
